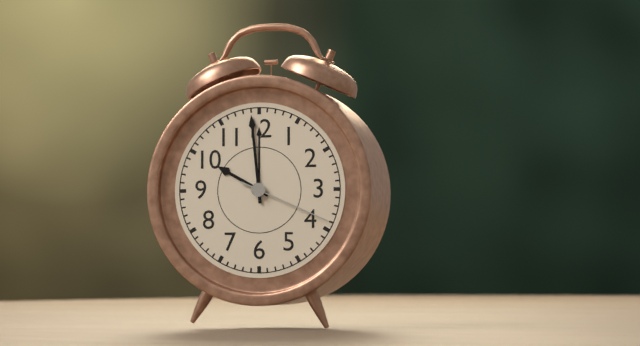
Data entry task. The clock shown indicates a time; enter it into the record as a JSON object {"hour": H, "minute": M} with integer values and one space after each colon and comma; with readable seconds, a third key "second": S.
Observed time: {"hour": 9, "minute": 59, "second": 19}
